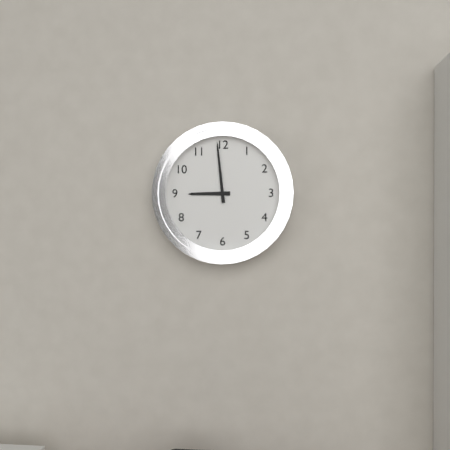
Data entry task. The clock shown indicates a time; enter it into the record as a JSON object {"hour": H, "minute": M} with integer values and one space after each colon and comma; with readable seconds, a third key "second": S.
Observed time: {"hour": 8, "minute": 59}
